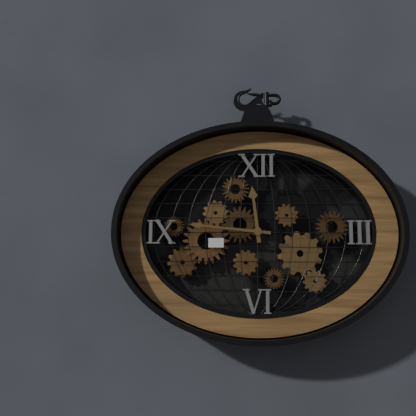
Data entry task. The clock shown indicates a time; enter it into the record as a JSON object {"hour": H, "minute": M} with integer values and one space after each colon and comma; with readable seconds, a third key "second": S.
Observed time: {"hour": 11, "minute": 46}
